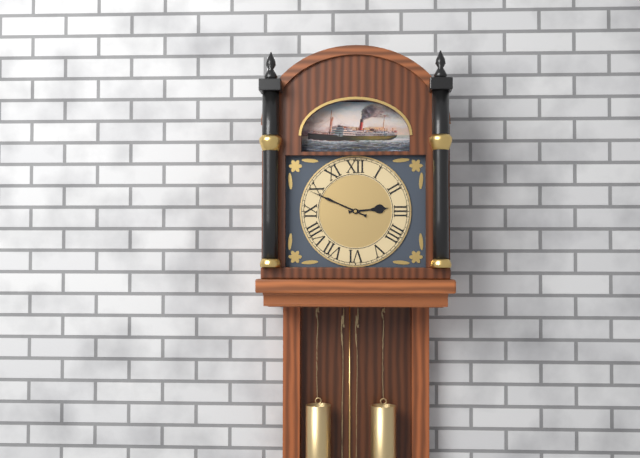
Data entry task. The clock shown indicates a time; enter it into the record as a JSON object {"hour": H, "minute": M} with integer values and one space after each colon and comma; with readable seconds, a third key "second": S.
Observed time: {"hour": 2, "minute": 49}
